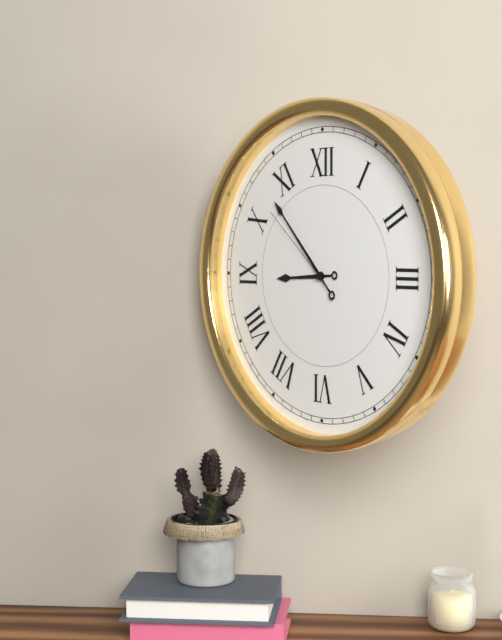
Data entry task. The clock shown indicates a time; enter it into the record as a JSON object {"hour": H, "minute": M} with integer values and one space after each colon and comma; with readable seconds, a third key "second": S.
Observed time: {"hour": 8, "minute": 53, "second": 52}
